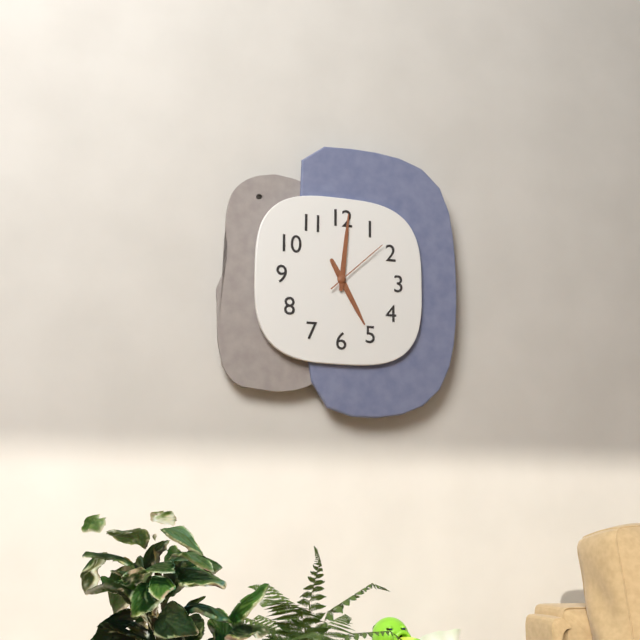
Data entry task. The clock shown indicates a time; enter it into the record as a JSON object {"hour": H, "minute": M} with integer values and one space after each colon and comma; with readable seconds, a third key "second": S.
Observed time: {"hour": 5, "minute": 1, "second": 8}
